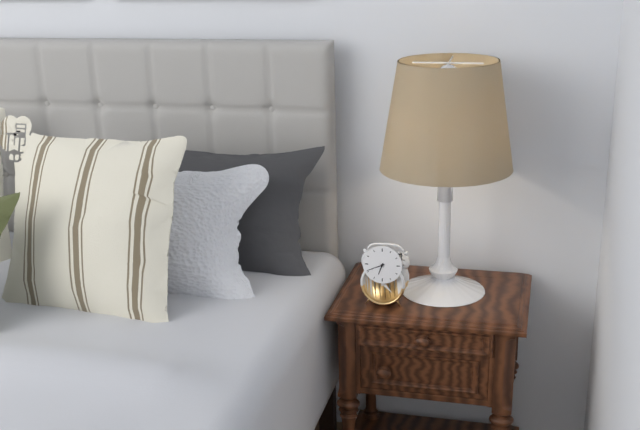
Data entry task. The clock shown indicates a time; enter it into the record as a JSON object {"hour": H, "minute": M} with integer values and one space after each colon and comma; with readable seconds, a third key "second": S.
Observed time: {"hour": 6, "minute": 41}
